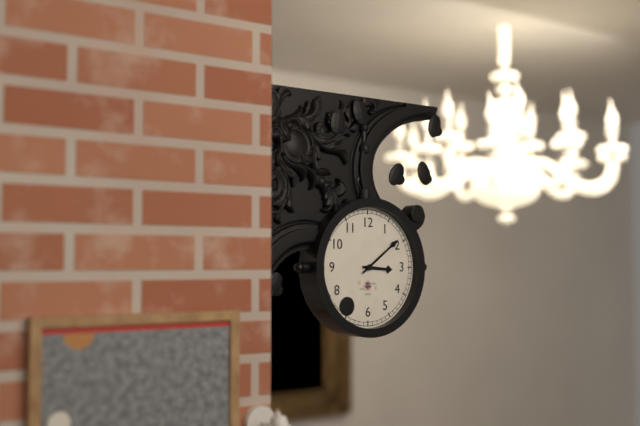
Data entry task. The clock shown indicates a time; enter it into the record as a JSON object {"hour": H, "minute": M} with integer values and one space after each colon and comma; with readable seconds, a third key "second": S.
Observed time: {"hour": 3, "minute": 9}
